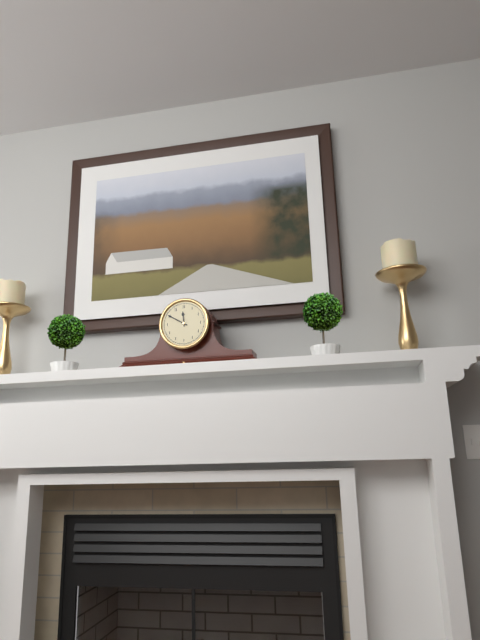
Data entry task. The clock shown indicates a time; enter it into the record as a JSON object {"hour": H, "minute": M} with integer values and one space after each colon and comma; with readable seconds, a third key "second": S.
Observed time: {"hour": 11, "minute": 50}
